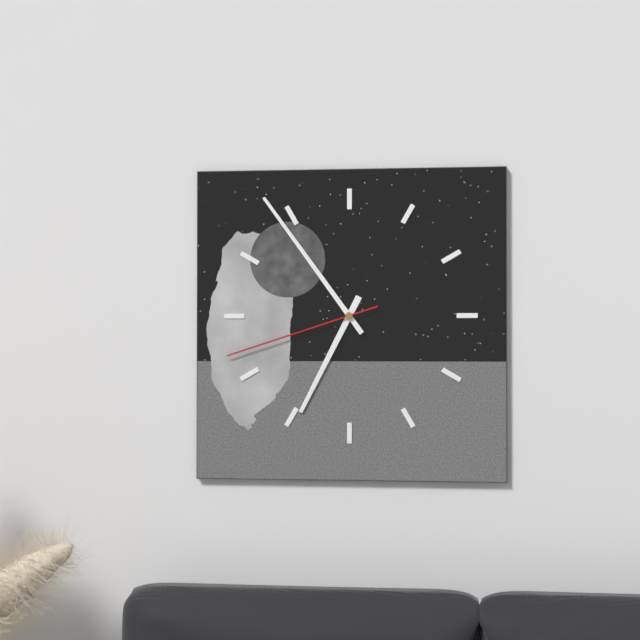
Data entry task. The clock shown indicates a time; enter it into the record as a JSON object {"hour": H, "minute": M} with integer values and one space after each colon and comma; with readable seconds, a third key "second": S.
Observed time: {"hour": 6, "minute": 54, "second": 42}
